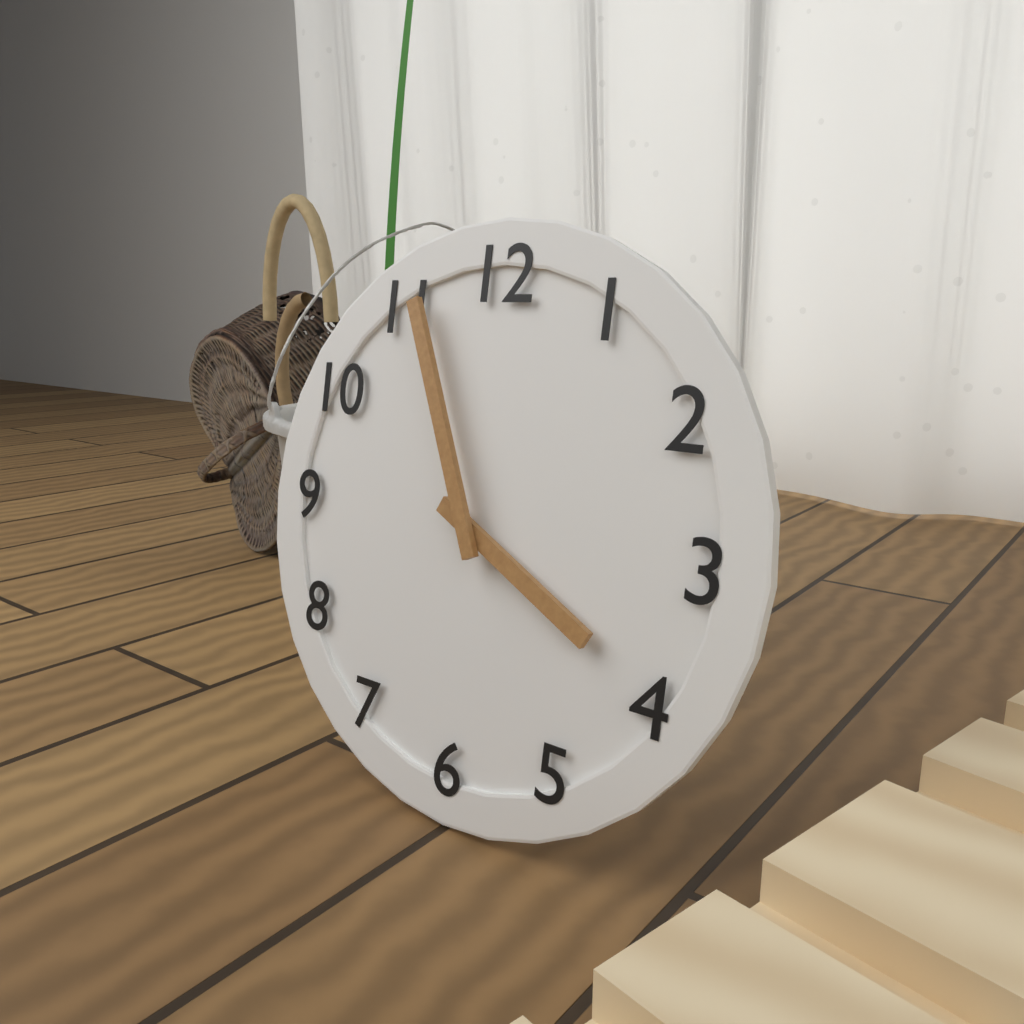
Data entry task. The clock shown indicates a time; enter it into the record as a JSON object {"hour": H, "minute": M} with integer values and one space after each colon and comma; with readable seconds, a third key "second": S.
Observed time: {"hour": 3, "minute": 56}
